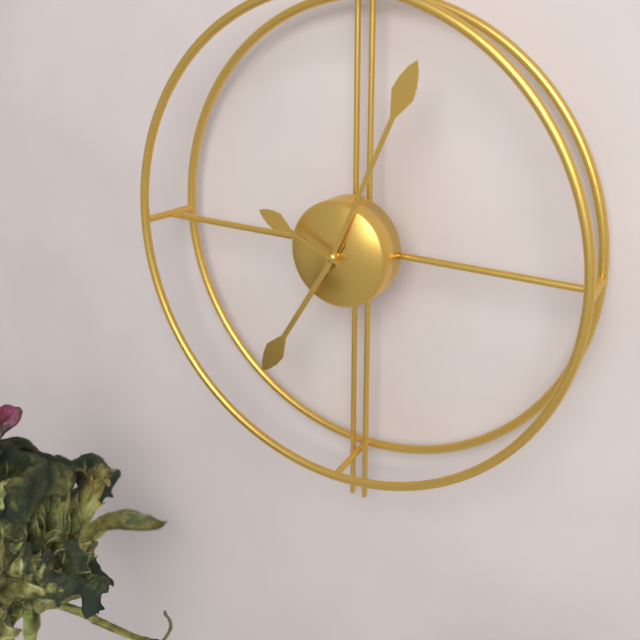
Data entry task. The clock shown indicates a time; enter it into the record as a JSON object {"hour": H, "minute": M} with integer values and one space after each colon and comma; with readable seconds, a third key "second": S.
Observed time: {"hour": 7, "minute": 4, "second": 49}
